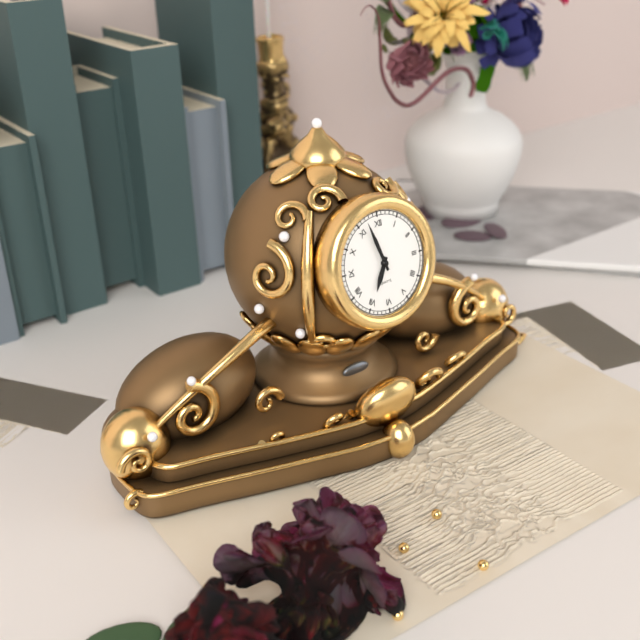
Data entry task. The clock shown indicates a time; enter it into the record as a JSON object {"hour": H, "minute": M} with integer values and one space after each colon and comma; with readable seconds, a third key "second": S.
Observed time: {"hour": 6, "minute": 57}
